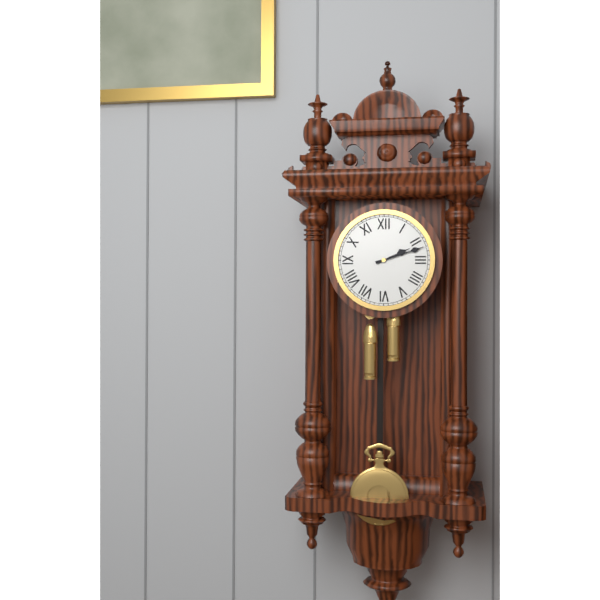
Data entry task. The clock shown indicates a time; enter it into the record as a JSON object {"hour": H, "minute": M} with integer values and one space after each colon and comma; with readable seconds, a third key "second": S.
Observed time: {"hour": 2, "minute": 12}
